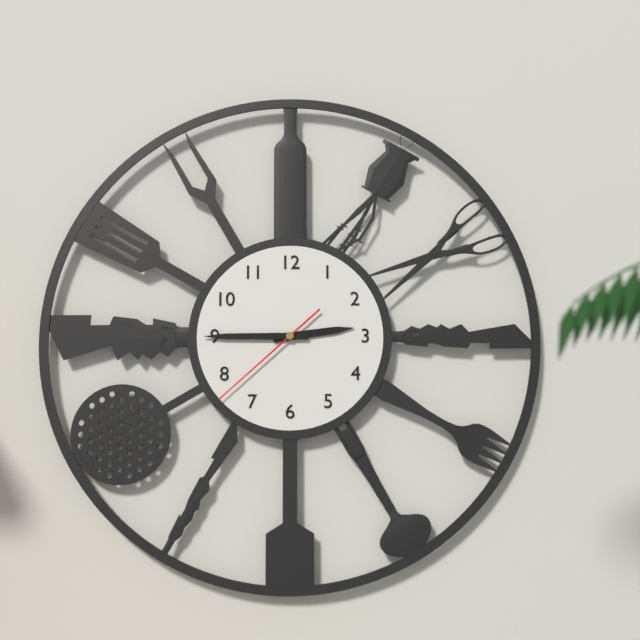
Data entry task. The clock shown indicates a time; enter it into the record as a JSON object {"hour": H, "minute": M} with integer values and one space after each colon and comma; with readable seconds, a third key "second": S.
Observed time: {"hour": 2, "minute": 45, "second": 38}
